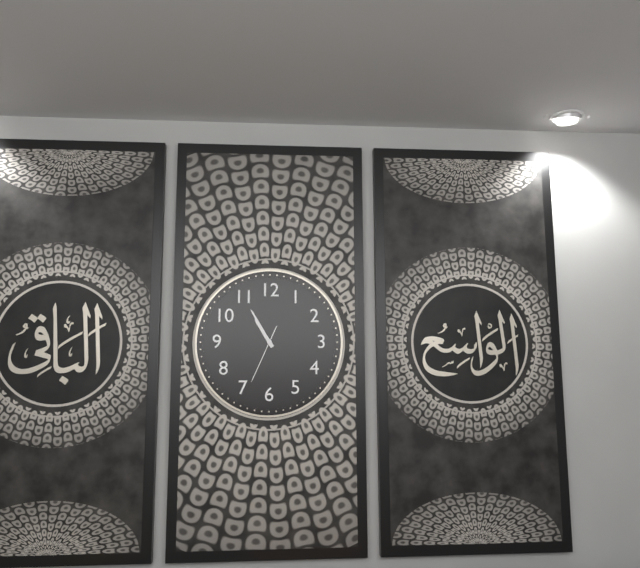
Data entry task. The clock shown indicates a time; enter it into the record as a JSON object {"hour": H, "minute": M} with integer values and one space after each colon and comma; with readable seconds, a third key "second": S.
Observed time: {"hour": 10, "minute": 55, "second": 34}
